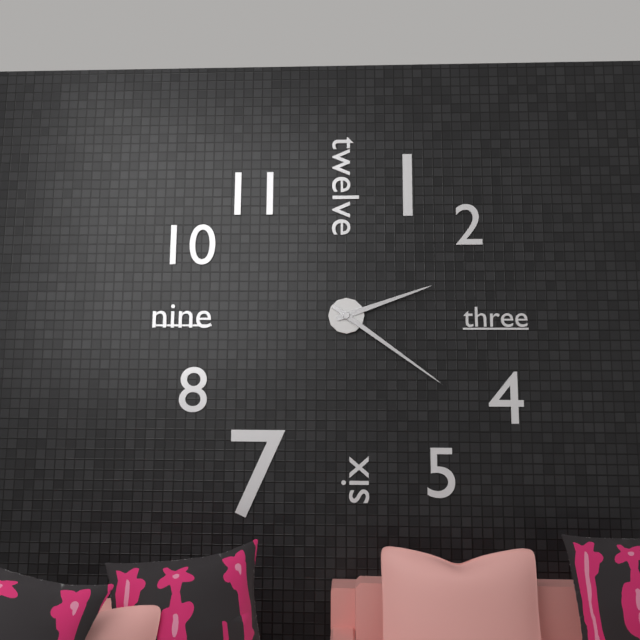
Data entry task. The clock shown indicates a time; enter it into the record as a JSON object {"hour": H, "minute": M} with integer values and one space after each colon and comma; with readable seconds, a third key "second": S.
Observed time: {"hour": 2, "minute": 21}
